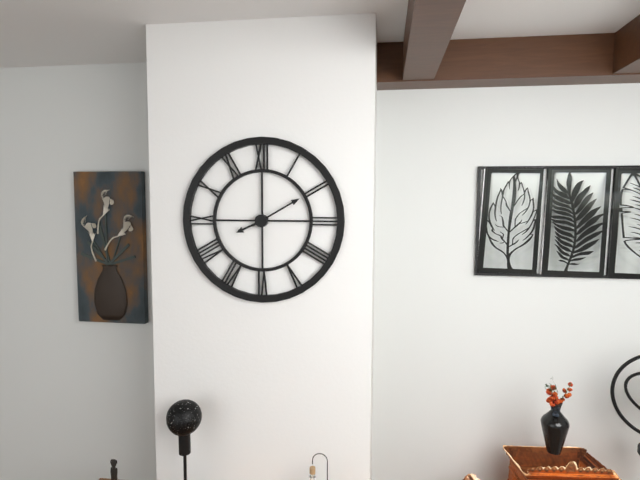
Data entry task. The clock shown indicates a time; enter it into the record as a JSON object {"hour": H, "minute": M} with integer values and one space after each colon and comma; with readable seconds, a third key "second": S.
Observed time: {"hour": 8, "minute": 10}
